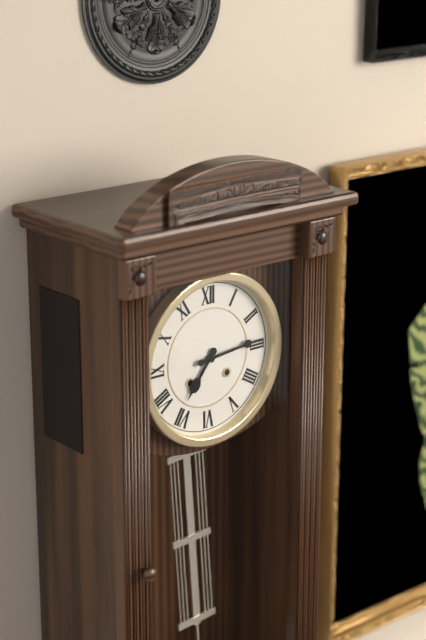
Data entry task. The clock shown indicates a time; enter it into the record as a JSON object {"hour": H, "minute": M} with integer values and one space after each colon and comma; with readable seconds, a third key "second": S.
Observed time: {"hour": 7, "minute": 14}
